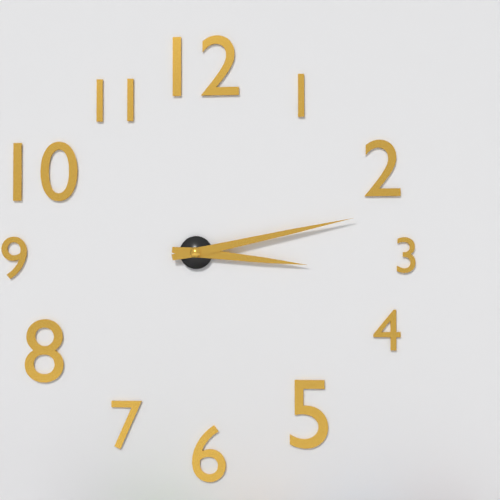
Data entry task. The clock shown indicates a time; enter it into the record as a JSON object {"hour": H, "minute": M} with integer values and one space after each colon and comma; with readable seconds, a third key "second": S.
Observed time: {"hour": 3, "minute": 13}
